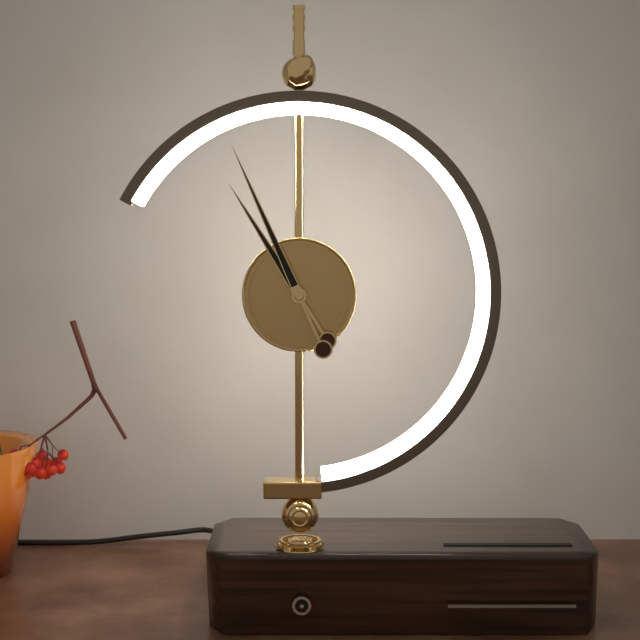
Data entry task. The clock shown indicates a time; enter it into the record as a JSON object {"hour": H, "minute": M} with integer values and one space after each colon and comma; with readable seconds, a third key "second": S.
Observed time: {"hour": 10, "minute": 56}
